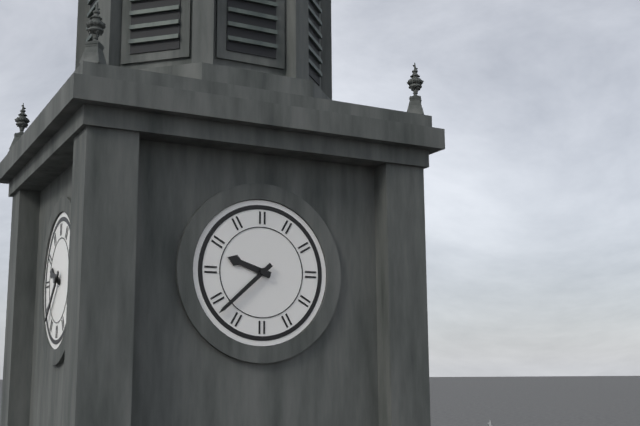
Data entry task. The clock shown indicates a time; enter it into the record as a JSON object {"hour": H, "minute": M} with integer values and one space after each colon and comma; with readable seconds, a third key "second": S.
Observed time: {"hour": 9, "minute": 38}
